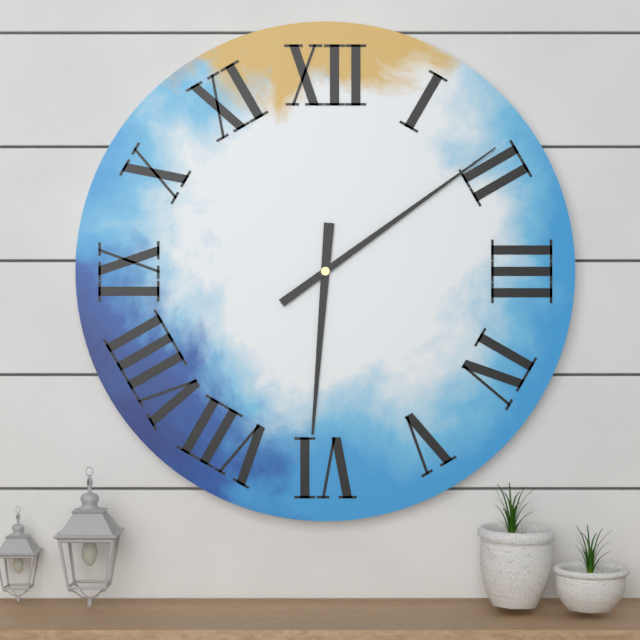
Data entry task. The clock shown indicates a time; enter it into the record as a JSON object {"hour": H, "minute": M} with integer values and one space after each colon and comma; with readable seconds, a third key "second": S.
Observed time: {"hour": 6, "minute": 9}
